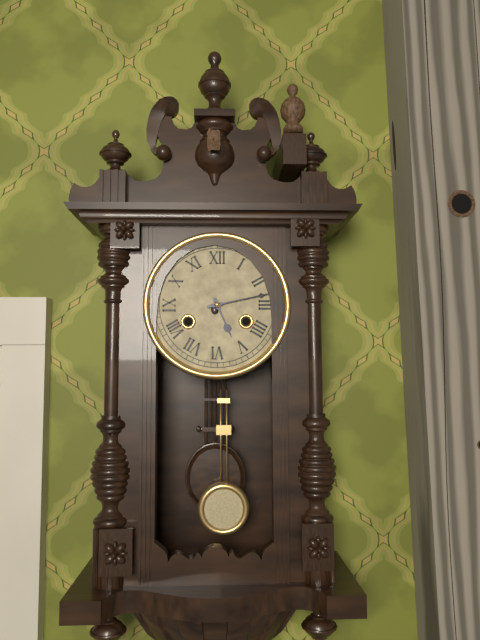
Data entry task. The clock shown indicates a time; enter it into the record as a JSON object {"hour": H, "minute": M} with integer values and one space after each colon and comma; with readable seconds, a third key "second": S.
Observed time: {"hour": 5, "minute": 13}
